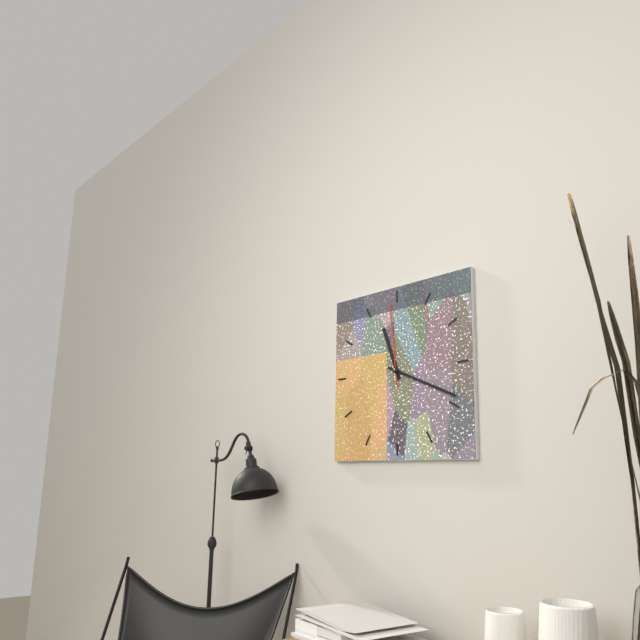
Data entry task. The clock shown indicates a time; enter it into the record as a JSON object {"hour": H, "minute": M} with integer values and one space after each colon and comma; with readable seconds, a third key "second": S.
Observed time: {"hour": 11, "minute": 19, "second": 59}
